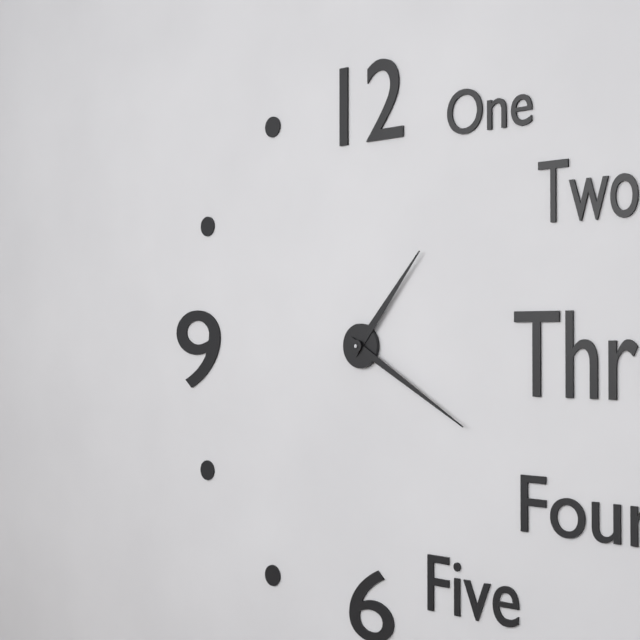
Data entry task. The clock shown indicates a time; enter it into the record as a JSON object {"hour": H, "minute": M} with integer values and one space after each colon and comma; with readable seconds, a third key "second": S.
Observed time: {"hour": 1, "minute": 20}
